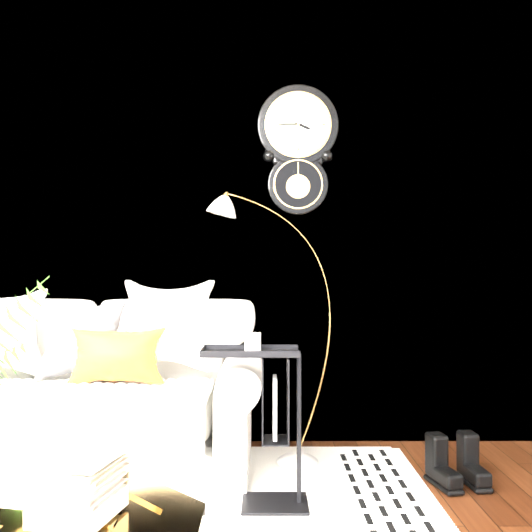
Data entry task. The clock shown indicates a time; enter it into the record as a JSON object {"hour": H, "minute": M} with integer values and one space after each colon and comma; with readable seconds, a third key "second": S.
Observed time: {"hour": 3, "minute": 45}
